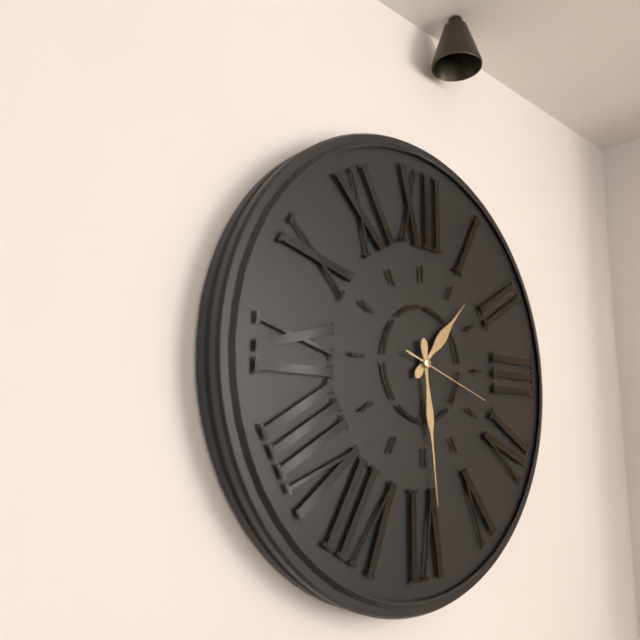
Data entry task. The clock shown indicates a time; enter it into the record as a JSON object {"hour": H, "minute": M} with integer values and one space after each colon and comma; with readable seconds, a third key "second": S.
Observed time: {"hour": 1, "minute": 29, "second": 18}
